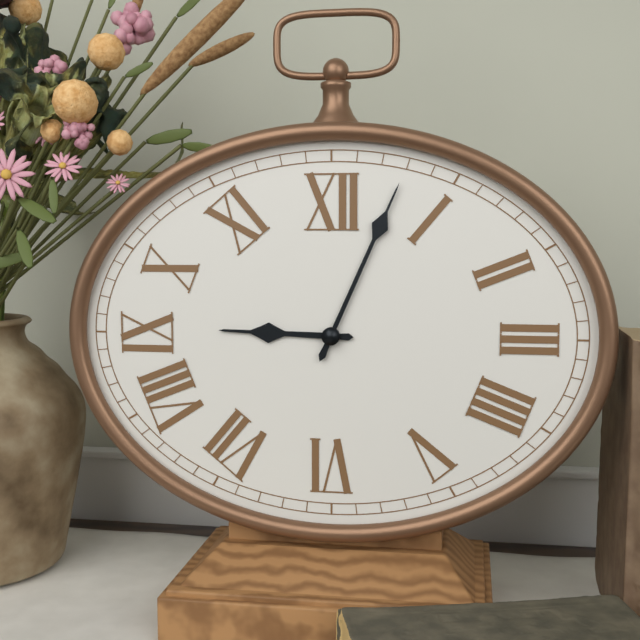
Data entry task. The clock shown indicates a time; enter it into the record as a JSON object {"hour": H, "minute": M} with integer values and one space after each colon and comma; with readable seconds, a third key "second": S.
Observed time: {"hour": 9, "minute": 4}
